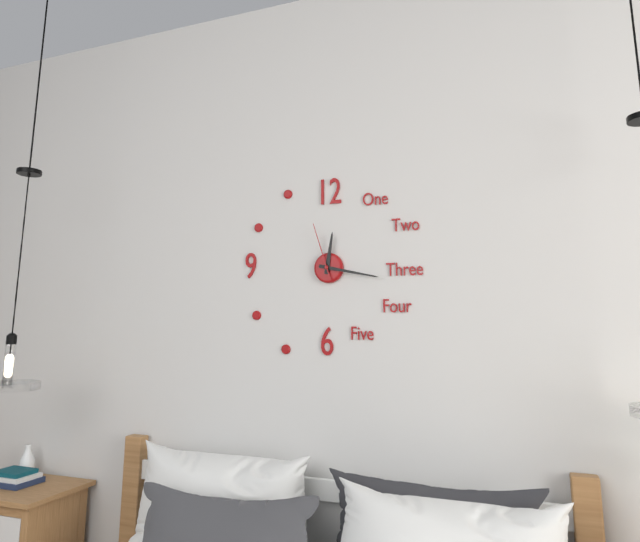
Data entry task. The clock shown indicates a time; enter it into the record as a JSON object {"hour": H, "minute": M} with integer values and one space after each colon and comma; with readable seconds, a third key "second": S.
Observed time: {"hour": 12, "minute": 17, "second": 57}
